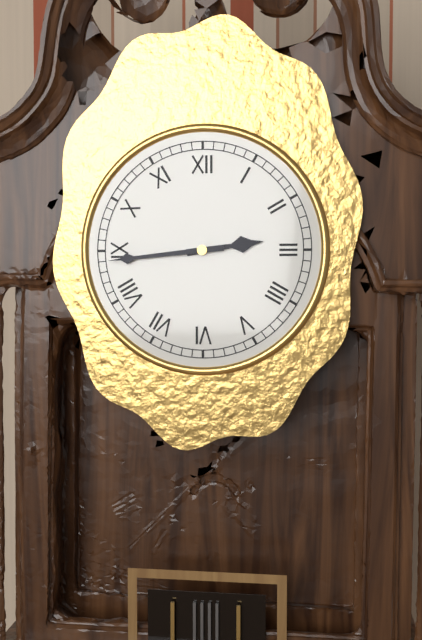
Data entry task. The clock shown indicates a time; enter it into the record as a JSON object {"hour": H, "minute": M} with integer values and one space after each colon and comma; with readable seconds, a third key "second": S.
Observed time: {"hour": 2, "minute": 44}
